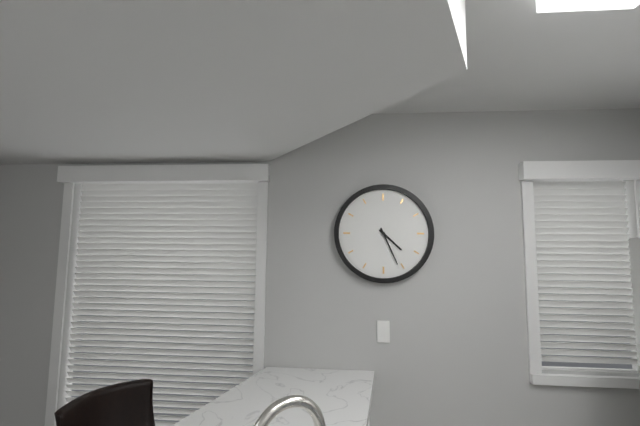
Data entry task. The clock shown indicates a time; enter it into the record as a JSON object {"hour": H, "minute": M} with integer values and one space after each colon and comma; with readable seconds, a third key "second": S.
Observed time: {"hour": 4, "minute": 26}
